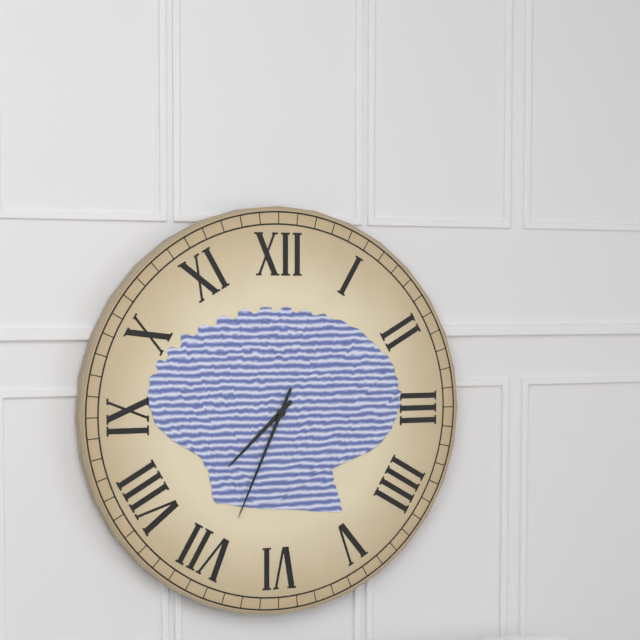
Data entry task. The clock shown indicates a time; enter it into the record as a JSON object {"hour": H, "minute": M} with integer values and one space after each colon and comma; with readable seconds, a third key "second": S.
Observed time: {"hour": 7, "minute": 34}
